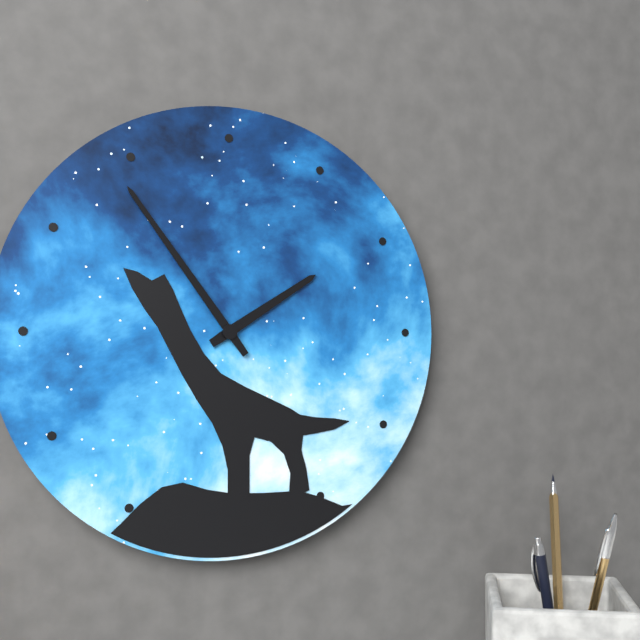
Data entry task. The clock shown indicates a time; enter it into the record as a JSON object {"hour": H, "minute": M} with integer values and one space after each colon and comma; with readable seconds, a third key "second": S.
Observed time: {"hour": 1, "minute": 54}
